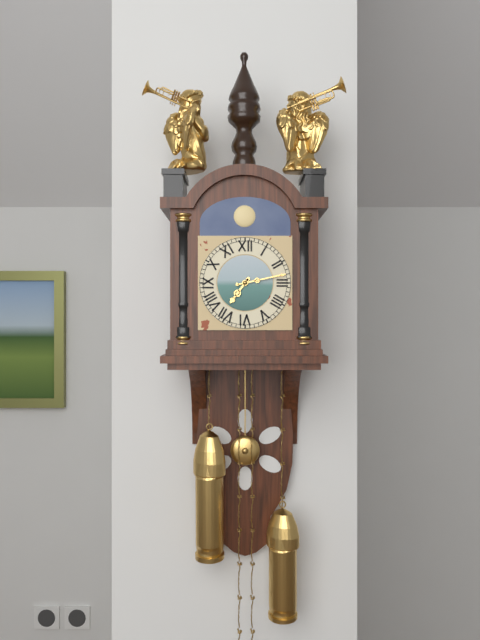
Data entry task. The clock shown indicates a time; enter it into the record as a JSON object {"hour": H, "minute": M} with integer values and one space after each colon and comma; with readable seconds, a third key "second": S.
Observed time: {"hour": 7, "minute": 13}
